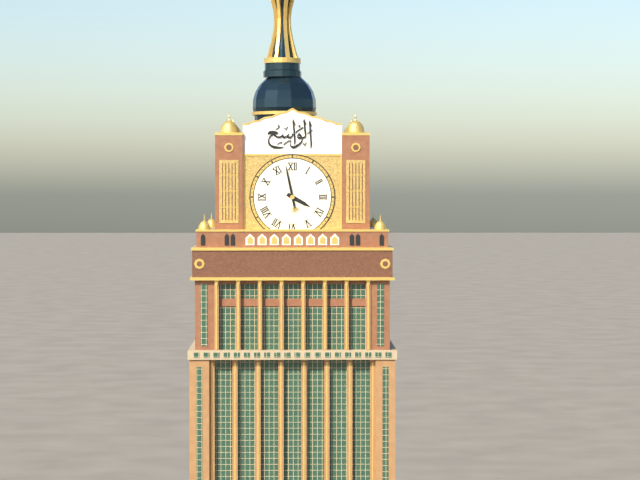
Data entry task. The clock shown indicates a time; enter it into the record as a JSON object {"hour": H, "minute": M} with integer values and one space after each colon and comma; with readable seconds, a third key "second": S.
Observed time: {"hour": 3, "minute": 58}
